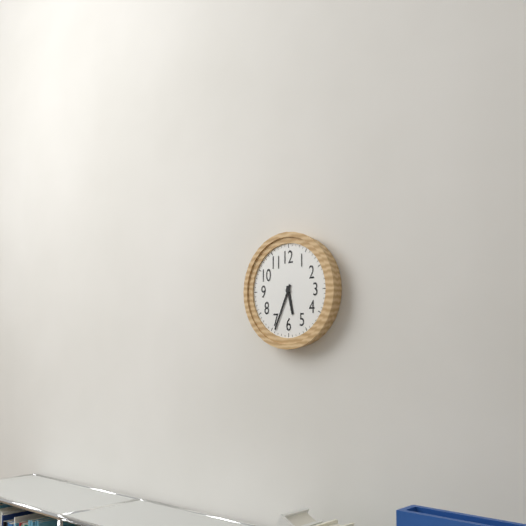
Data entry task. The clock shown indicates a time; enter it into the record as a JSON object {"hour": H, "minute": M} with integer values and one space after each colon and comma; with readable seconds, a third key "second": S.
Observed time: {"hour": 5, "minute": 34}
